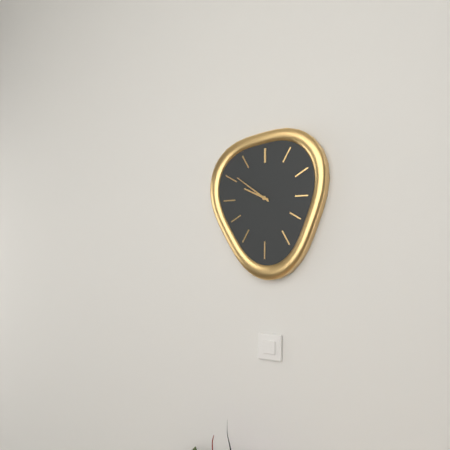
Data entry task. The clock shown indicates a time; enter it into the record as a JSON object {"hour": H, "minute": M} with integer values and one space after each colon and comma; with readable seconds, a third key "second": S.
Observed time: {"hour": 9, "minute": 51}
